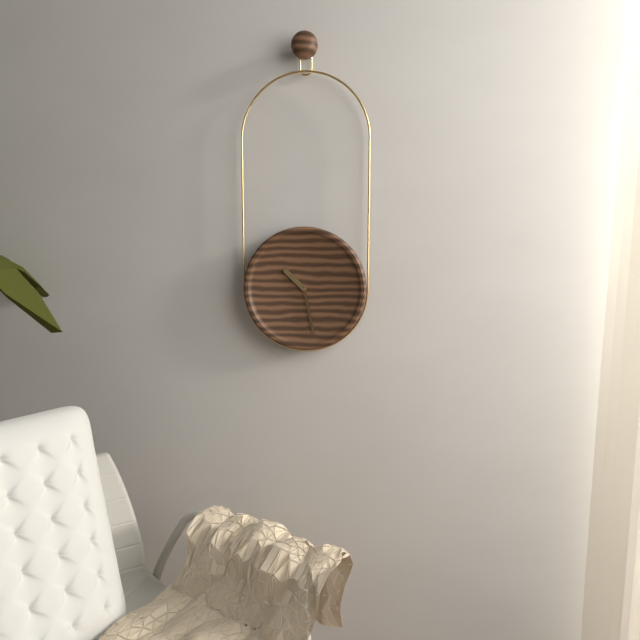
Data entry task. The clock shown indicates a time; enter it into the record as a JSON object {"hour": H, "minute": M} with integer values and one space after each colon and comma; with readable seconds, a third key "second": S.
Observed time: {"hour": 10, "minute": 28}
